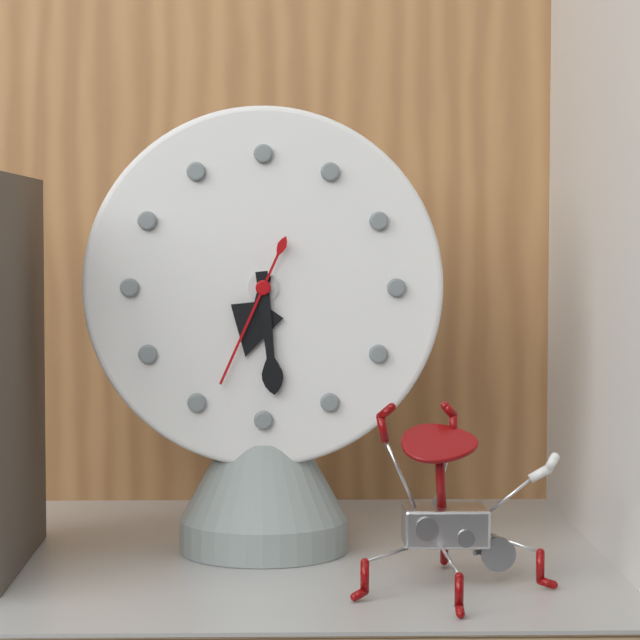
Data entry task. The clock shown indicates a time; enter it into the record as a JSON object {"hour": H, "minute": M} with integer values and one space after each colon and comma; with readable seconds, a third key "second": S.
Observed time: {"hour": 6, "minute": 29, "second": 34}
